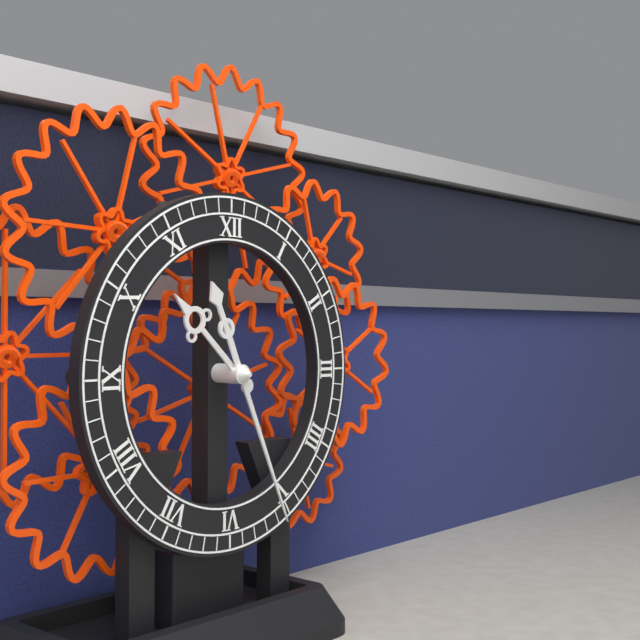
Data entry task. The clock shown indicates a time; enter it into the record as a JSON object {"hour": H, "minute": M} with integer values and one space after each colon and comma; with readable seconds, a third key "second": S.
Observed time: {"hour": 10, "minute": 26}
